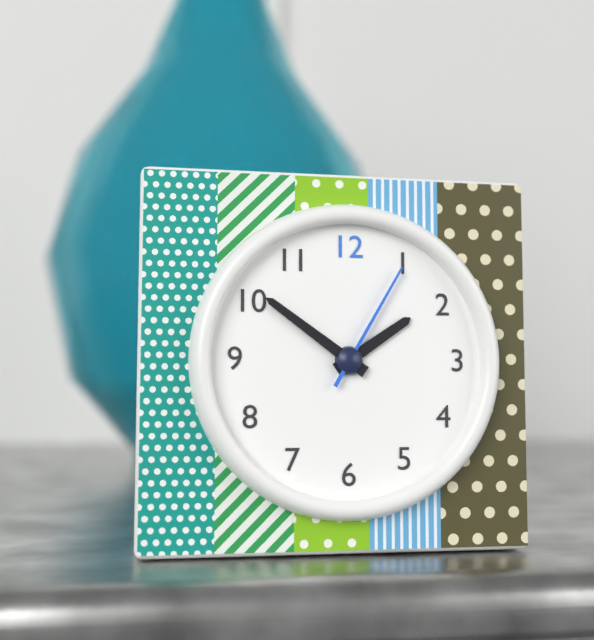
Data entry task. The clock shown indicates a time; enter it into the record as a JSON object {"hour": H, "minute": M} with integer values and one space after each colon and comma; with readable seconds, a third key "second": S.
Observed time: {"hour": 1, "minute": 51, "second": 5}
